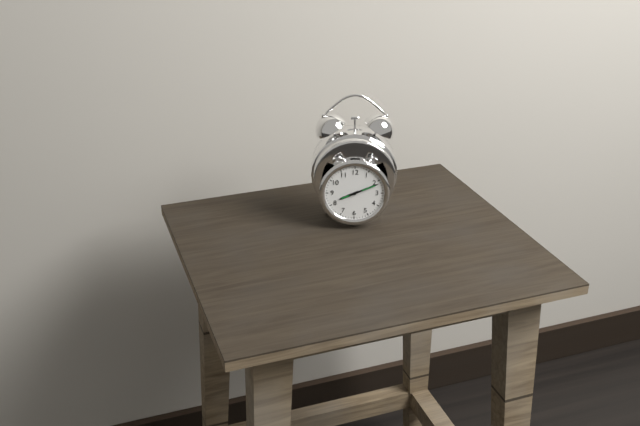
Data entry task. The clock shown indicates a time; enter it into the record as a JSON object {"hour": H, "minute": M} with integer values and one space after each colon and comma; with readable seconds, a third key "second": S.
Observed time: {"hour": 8, "minute": 11}
